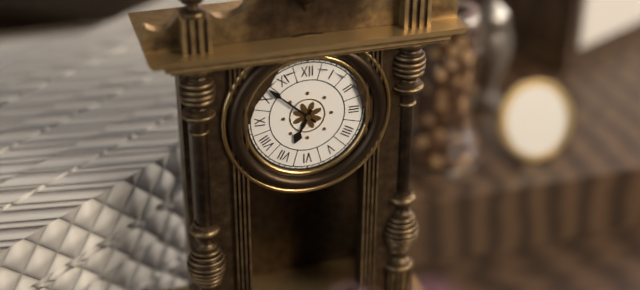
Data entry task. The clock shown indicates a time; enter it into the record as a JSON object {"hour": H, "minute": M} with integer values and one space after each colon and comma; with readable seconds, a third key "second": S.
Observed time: {"hour": 6, "minute": 52}
